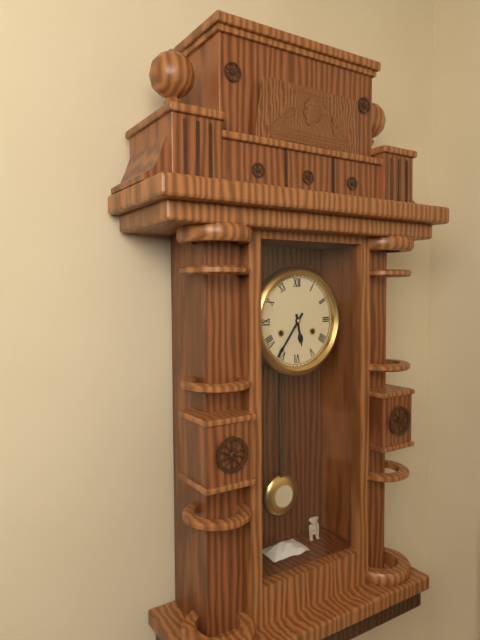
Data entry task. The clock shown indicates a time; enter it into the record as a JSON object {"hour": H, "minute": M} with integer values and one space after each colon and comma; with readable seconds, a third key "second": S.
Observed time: {"hour": 5, "minute": 36}
